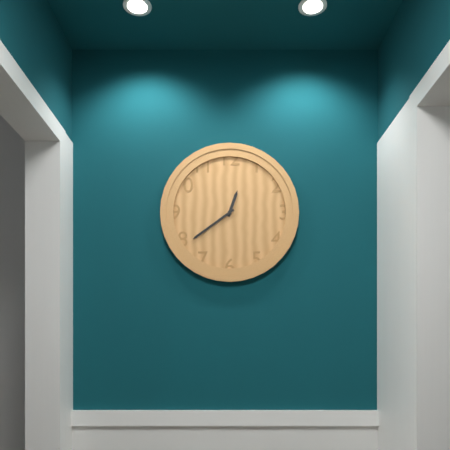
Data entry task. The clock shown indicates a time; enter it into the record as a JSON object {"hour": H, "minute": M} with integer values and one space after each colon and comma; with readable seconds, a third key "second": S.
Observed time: {"hour": 12, "minute": 39}
